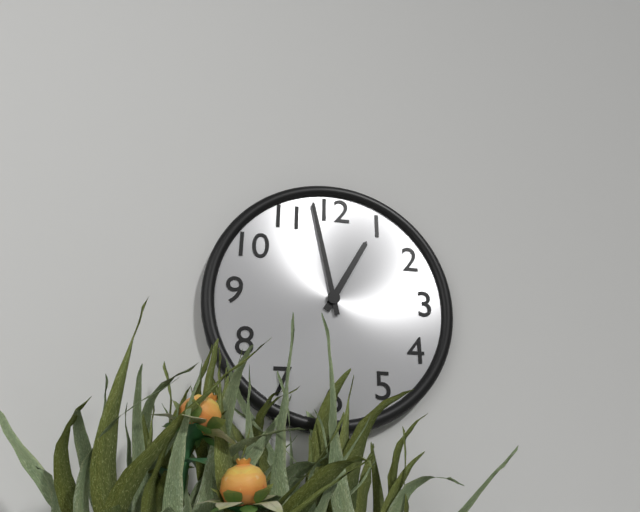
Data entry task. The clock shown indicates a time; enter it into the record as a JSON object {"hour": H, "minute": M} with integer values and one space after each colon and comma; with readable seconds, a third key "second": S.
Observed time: {"hour": 12, "minute": 58}
